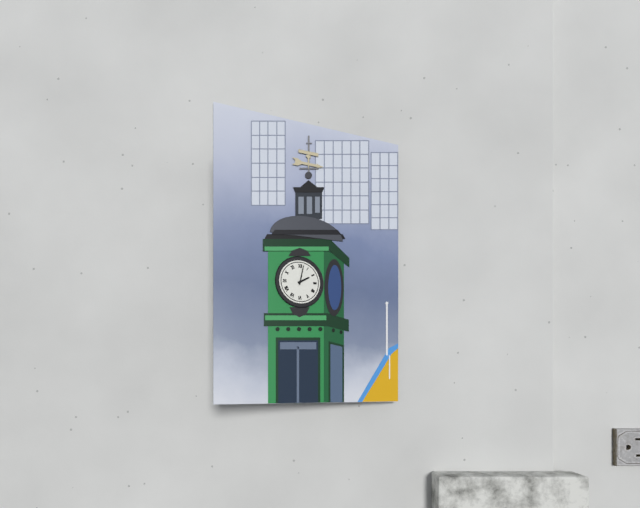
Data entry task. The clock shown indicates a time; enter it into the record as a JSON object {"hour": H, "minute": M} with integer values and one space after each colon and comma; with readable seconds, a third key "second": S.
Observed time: {"hour": 2, "minute": 2}
